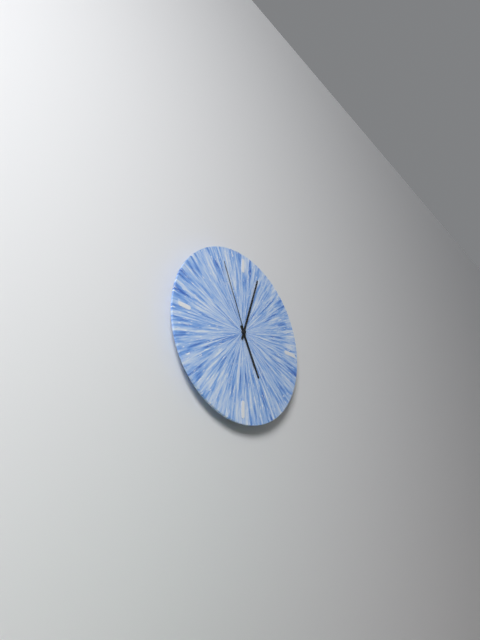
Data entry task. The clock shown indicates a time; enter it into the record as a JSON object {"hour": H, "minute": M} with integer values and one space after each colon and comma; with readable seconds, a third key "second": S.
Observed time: {"hour": 5, "minute": 3, "second": 56}
